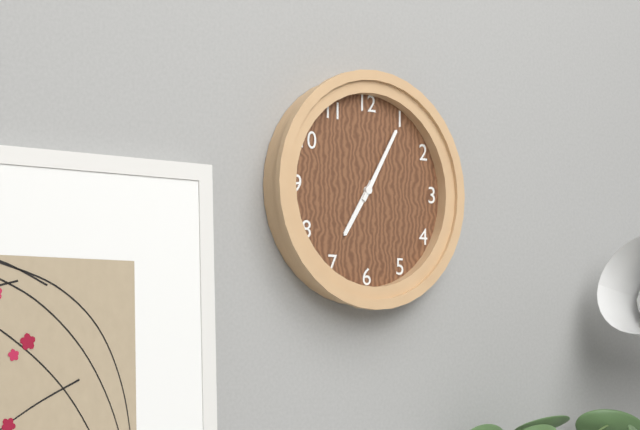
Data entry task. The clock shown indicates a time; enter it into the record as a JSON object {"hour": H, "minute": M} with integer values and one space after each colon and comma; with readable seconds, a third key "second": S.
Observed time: {"hour": 7, "minute": 5}
